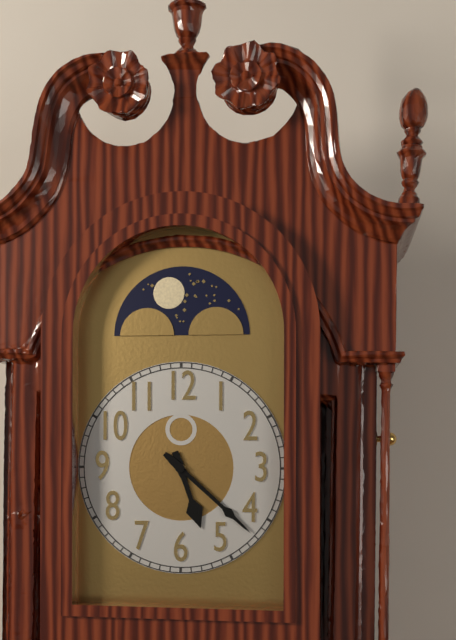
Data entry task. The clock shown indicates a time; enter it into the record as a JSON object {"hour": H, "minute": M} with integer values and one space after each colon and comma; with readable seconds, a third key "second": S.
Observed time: {"hour": 5, "minute": 22}
